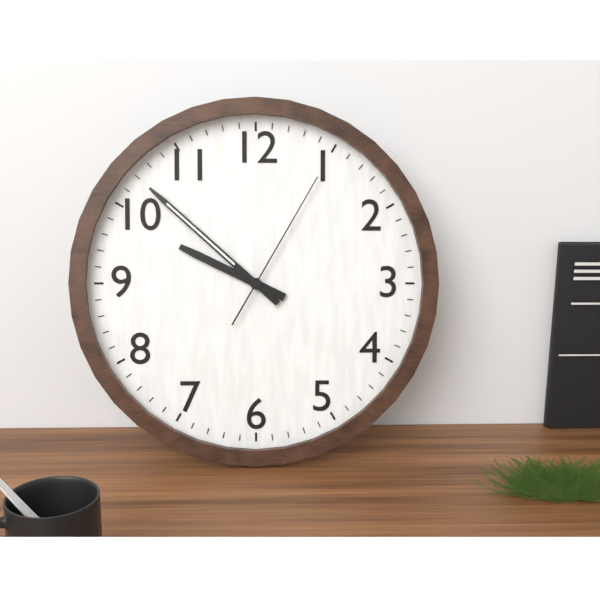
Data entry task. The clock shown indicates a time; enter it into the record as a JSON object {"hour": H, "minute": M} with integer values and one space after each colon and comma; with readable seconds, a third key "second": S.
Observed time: {"hour": 9, "minute": 52, "second": 5}
